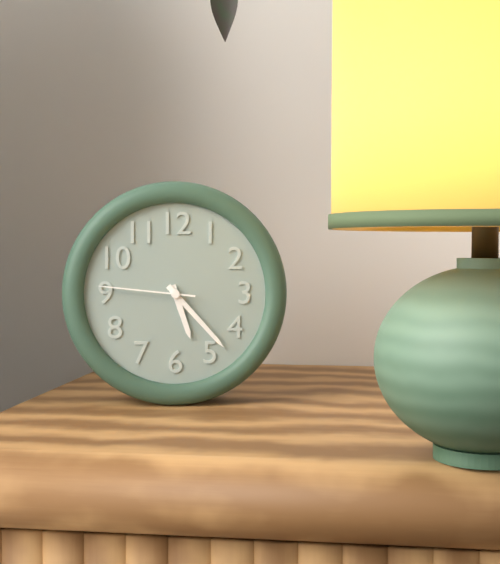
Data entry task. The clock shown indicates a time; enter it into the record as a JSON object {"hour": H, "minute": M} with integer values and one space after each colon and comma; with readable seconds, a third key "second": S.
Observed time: {"hour": 5, "minute": 23, "second": 46}
